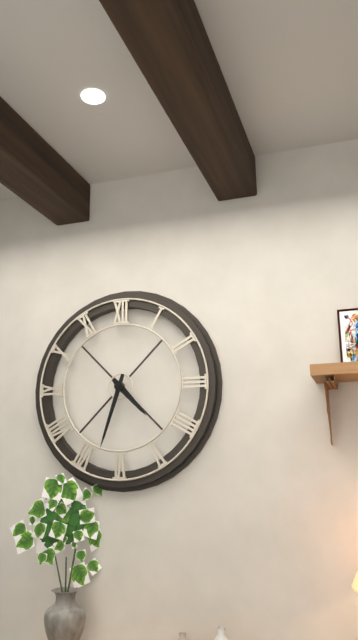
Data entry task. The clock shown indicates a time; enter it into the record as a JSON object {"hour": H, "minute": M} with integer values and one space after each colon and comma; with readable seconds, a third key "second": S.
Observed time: {"hour": 4, "minute": 33}
